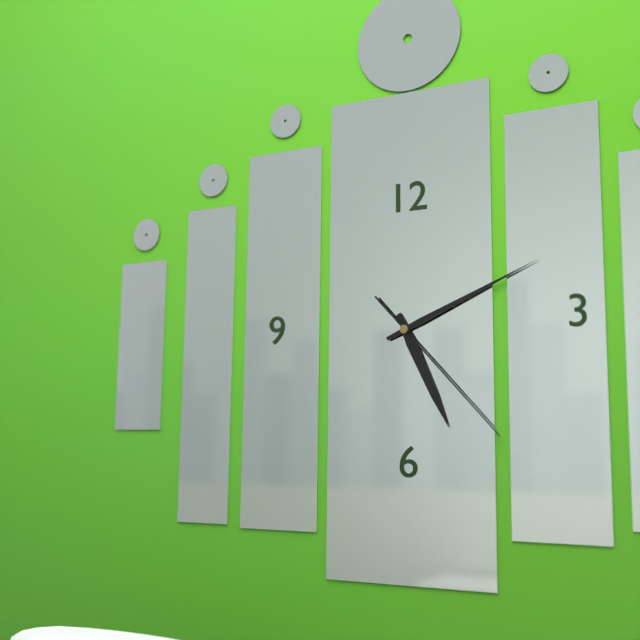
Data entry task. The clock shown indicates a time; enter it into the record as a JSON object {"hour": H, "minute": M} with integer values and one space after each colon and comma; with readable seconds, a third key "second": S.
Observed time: {"hour": 5, "minute": 11, "second": 23}
